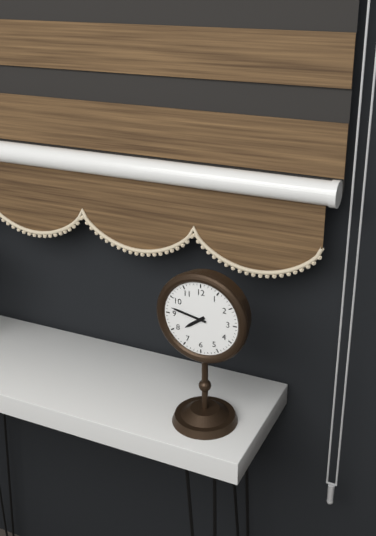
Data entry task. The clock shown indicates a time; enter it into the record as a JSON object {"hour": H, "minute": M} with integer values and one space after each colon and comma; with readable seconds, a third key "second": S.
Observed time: {"hour": 7, "minute": 47}
